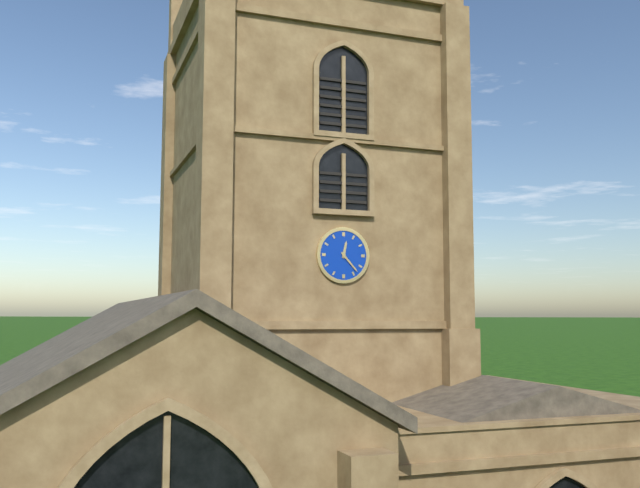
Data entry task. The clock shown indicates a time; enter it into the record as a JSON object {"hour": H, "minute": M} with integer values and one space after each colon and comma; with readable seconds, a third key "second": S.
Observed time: {"hour": 12, "minute": 23}
